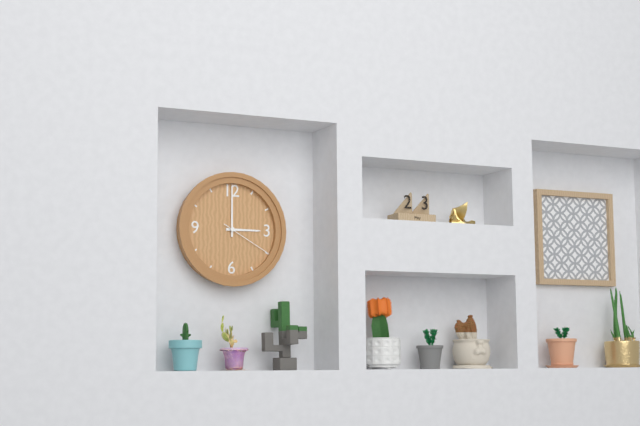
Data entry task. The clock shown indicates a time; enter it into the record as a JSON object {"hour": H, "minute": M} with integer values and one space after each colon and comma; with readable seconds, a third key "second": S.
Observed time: {"hour": 3, "minute": 0, "second": 20}
